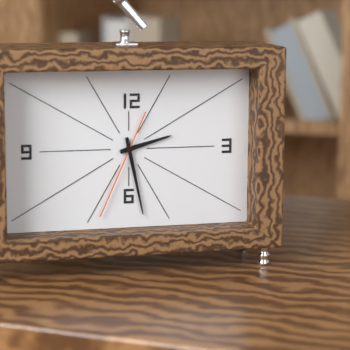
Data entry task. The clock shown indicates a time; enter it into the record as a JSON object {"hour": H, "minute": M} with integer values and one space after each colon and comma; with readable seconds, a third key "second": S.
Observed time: {"hour": 2, "minute": 28, "second": 34}
